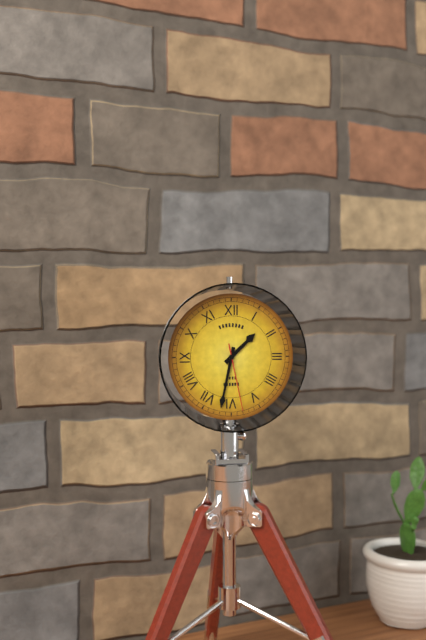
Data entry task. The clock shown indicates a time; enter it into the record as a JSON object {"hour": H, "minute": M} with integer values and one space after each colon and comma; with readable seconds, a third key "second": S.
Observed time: {"hour": 1, "minute": 32, "second": 28}
